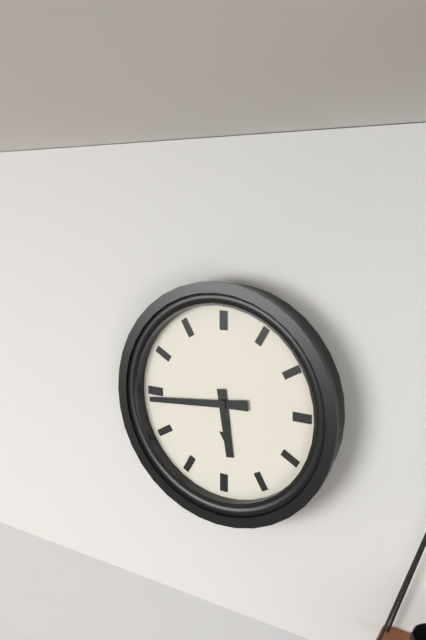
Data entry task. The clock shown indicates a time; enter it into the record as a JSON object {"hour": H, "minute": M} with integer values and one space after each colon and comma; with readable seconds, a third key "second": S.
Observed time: {"hour": 5, "minute": 44}
